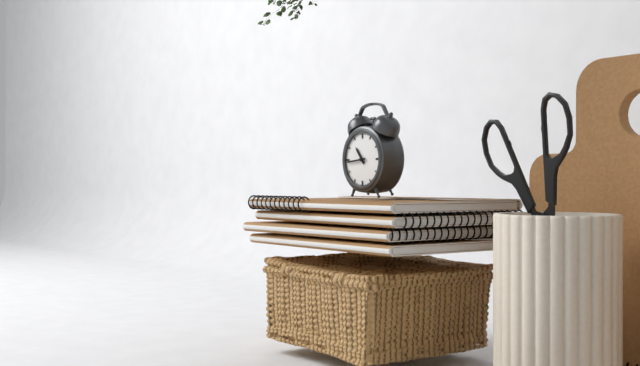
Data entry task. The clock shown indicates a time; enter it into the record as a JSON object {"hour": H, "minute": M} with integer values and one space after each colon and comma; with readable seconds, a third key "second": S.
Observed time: {"hour": 10, "minute": 44}
